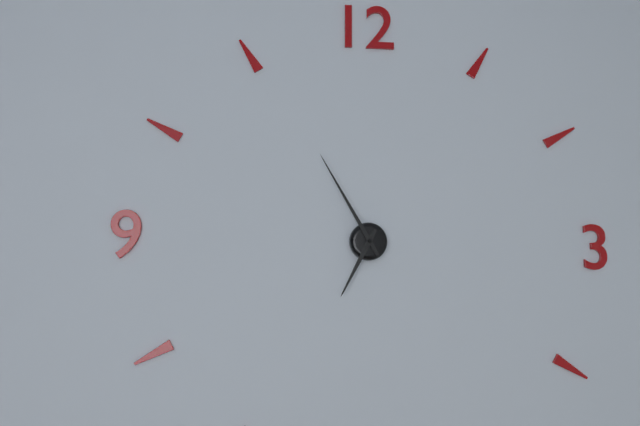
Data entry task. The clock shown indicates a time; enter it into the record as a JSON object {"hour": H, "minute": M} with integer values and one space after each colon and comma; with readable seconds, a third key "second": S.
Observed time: {"hour": 6, "minute": 55}
